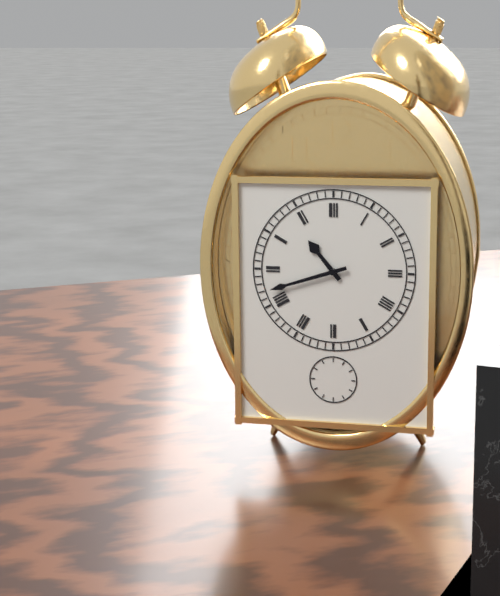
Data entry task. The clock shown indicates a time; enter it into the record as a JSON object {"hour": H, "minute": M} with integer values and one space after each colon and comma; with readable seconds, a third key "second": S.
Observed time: {"hour": 10, "minute": 42}
